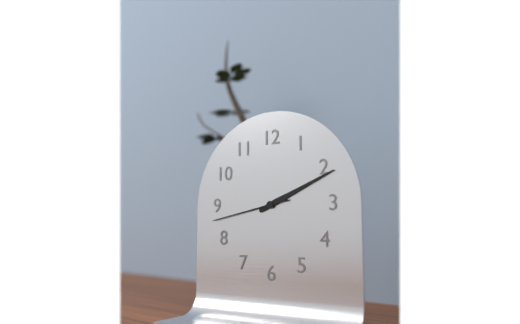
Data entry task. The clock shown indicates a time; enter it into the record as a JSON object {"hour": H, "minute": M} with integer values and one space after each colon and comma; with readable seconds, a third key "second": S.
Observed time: {"hour": 2, "minute": 11, "second": 43}
